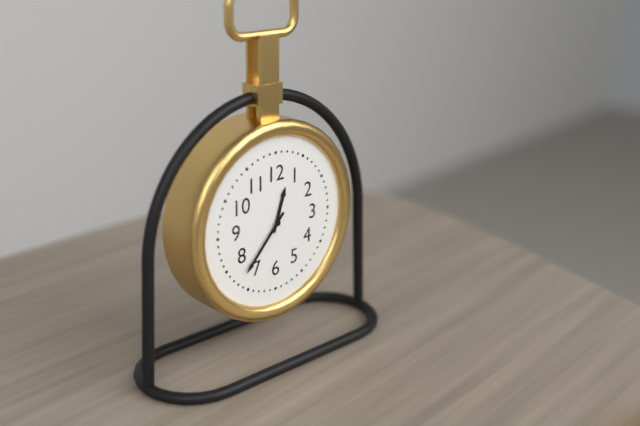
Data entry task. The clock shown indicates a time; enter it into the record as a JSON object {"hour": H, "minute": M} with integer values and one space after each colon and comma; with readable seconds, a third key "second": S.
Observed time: {"hour": 12, "minute": 37}
